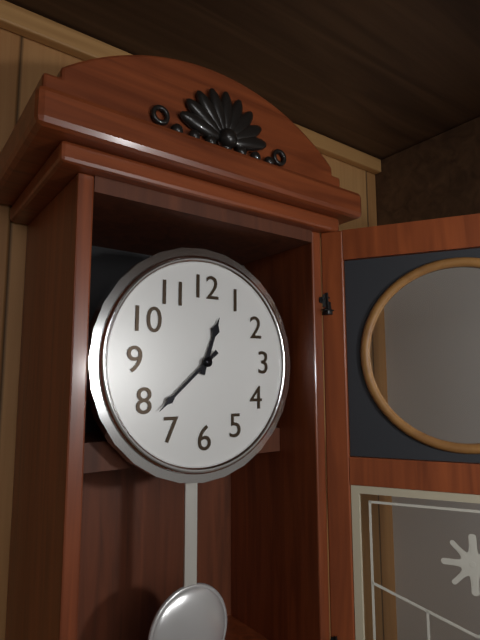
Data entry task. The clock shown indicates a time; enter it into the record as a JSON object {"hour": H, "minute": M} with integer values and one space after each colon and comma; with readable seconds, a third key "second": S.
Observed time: {"hour": 12, "minute": 38}
